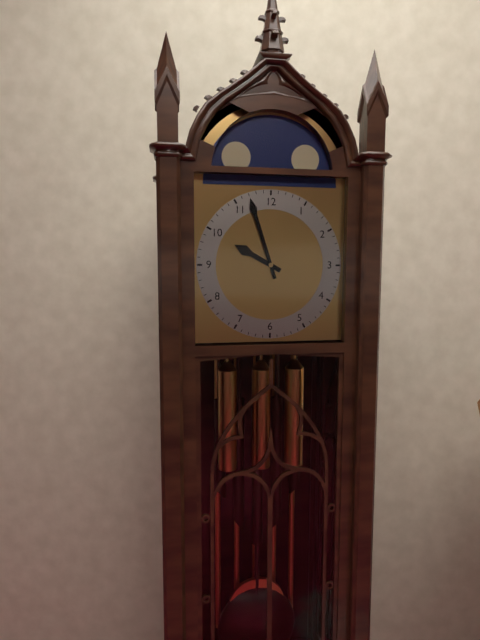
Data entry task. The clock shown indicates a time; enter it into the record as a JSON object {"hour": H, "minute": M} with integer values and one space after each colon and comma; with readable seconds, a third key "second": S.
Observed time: {"hour": 9, "minute": 57}
